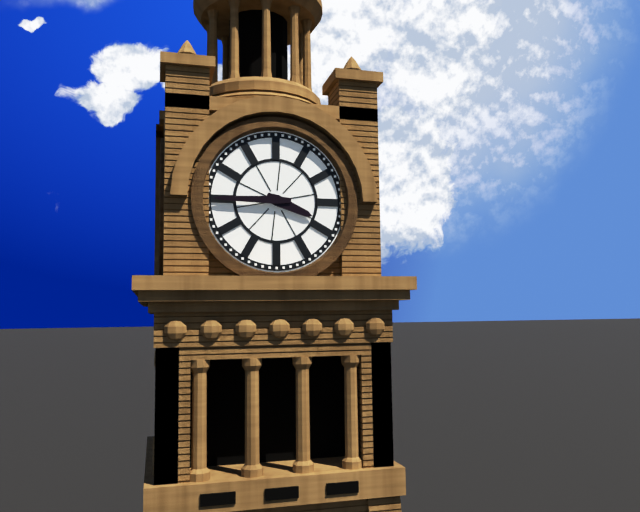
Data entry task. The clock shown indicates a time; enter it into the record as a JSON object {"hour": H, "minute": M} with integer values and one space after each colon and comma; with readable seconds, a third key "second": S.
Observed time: {"hour": 3, "minute": 45}
